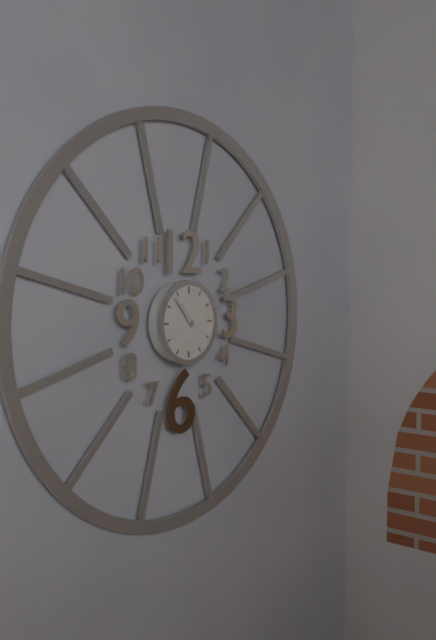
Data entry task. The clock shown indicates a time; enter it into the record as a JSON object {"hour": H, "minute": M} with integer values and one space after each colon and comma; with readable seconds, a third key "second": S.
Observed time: {"hour": 10, "minute": 53}
